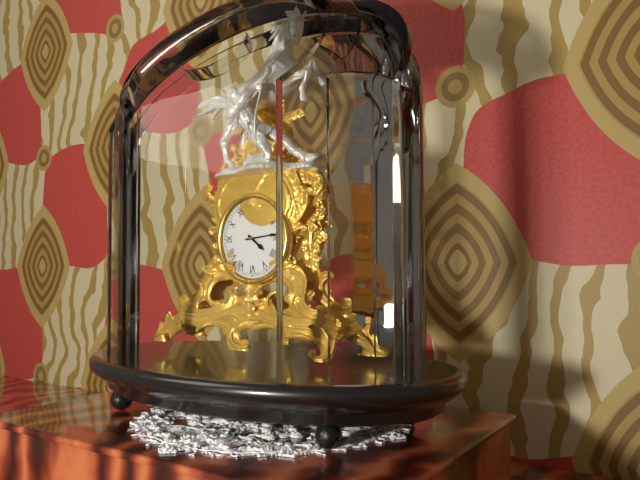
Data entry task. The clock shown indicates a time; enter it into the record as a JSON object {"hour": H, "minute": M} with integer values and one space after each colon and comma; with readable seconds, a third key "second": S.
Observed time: {"hour": 4, "minute": 14}
